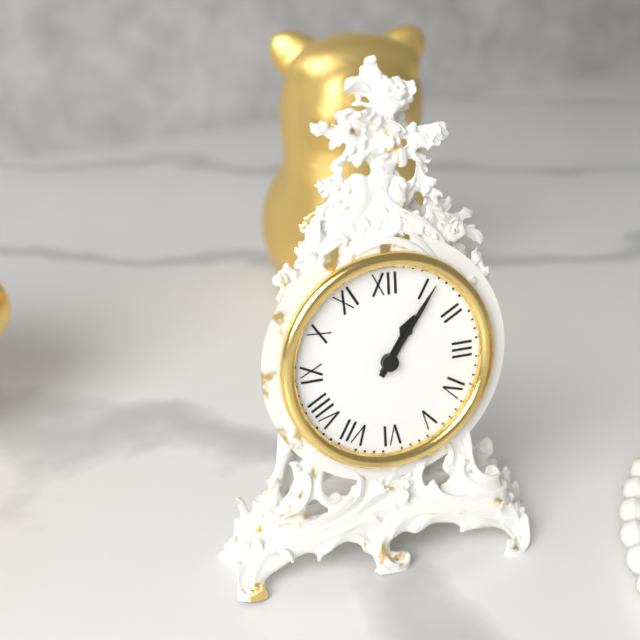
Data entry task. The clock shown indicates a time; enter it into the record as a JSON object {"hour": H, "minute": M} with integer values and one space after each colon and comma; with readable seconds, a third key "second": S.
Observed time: {"hour": 1, "minute": 6}
